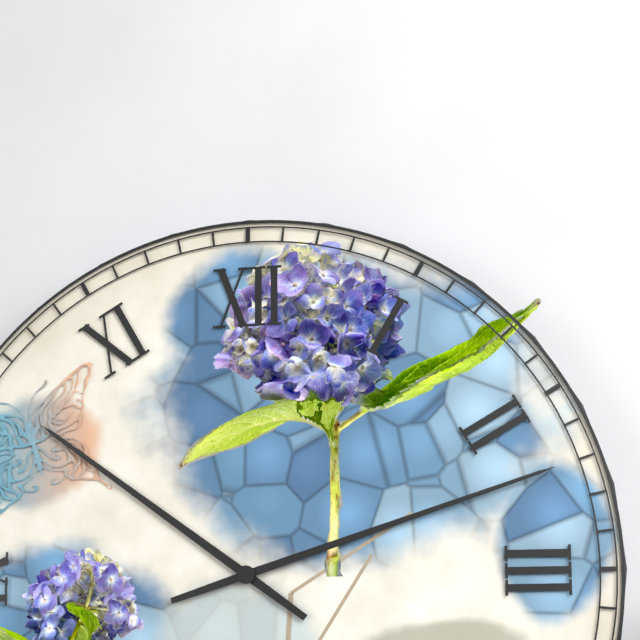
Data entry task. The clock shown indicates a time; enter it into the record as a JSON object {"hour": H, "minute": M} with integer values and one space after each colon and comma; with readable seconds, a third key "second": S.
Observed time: {"hour": 10, "minute": 12}
